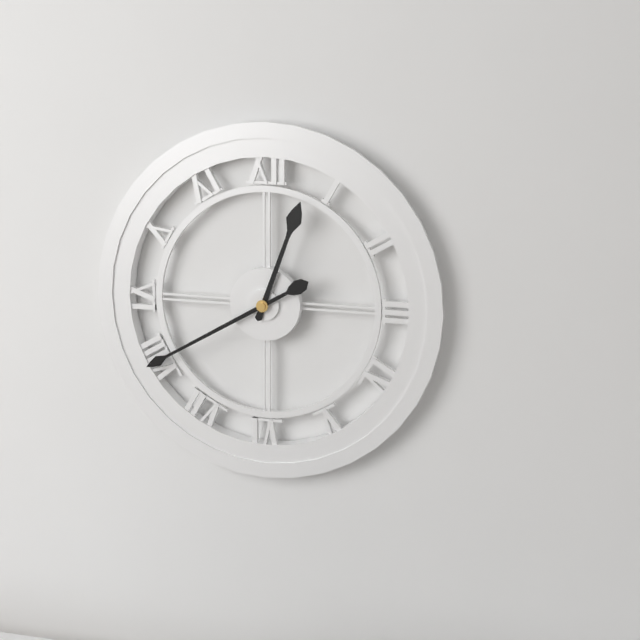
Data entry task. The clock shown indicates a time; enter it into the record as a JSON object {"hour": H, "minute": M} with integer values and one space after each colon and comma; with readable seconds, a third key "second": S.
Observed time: {"hour": 12, "minute": 40}
